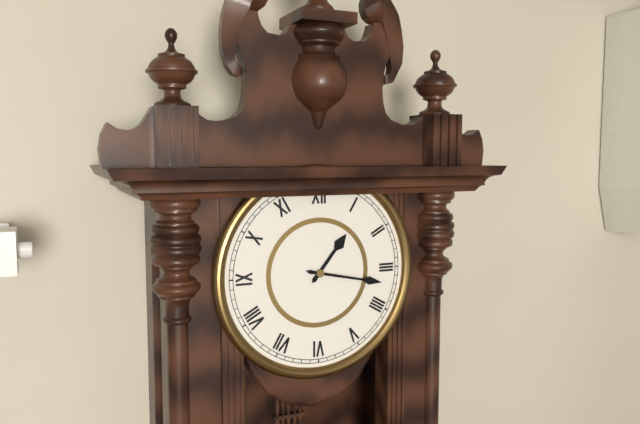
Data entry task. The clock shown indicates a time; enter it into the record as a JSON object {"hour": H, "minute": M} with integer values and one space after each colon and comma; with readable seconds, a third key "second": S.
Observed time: {"hour": 1, "minute": 17}
